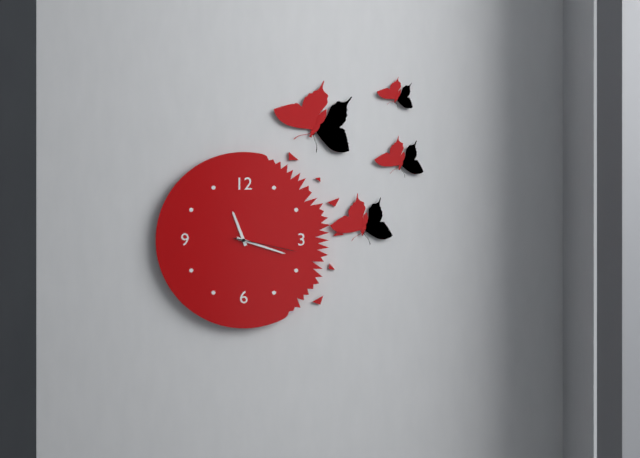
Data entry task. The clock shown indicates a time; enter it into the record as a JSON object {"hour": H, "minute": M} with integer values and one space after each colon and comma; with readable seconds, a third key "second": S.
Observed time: {"hour": 11, "minute": 18, "second": 17}
